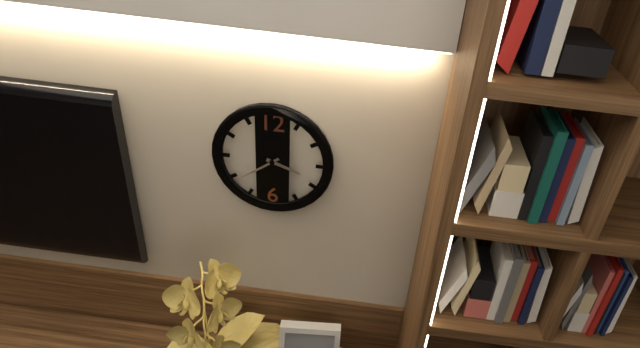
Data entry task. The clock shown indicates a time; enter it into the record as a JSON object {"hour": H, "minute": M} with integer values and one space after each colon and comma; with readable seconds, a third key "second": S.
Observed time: {"hour": 3, "minute": 39}
